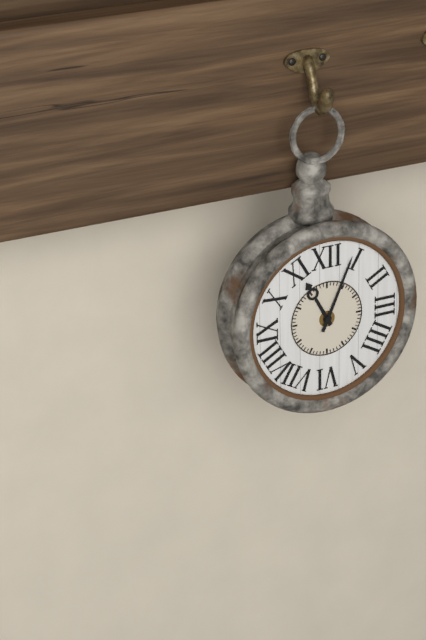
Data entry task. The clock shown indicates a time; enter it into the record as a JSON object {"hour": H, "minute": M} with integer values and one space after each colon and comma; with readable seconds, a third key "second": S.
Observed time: {"hour": 11, "minute": 4}
